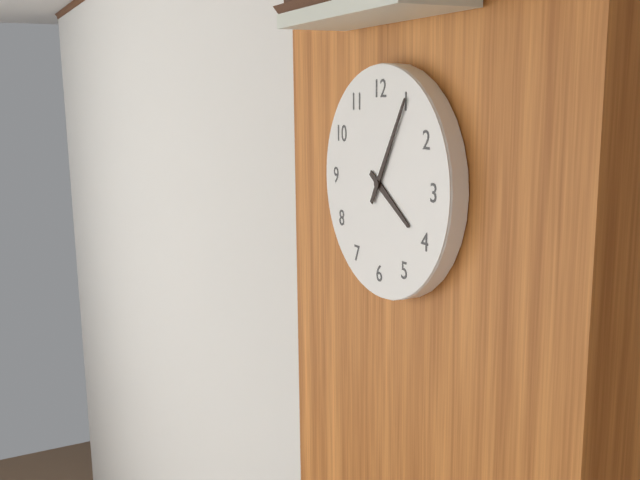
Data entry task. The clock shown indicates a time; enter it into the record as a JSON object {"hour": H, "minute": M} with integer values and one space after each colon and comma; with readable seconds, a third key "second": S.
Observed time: {"hour": 4, "minute": 5}
